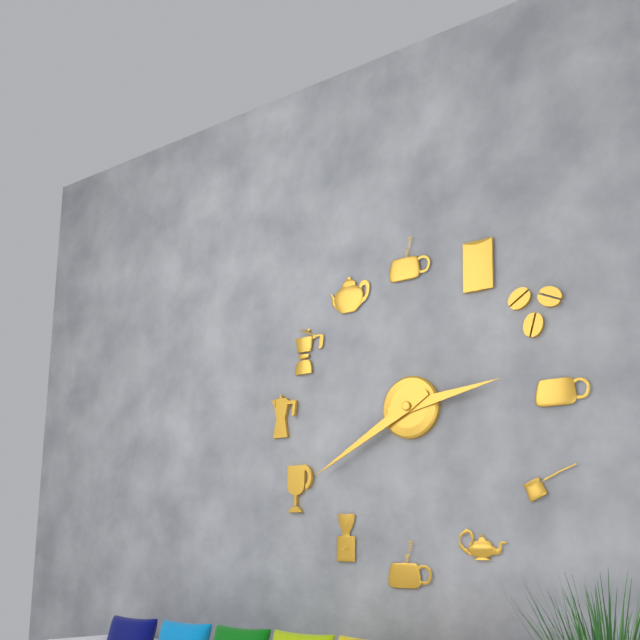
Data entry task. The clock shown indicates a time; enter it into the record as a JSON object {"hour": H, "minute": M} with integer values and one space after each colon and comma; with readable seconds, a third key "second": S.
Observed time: {"hour": 2, "minute": 40}
